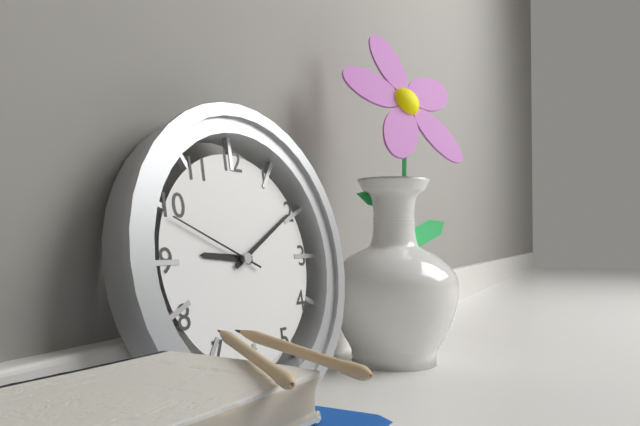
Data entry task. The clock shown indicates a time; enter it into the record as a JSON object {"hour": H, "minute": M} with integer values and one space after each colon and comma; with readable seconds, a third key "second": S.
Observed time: {"hour": 9, "minute": 10, "second": 49}
